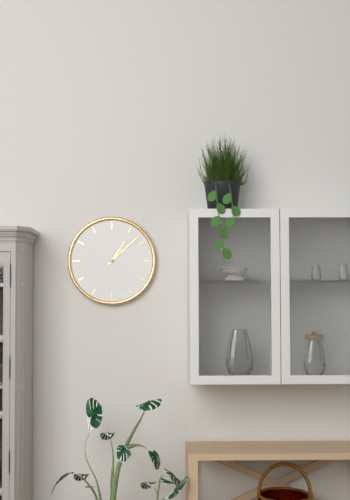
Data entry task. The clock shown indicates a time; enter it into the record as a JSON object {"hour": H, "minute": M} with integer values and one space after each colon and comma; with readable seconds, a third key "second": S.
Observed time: {"hour": 1, "minute": 8}
